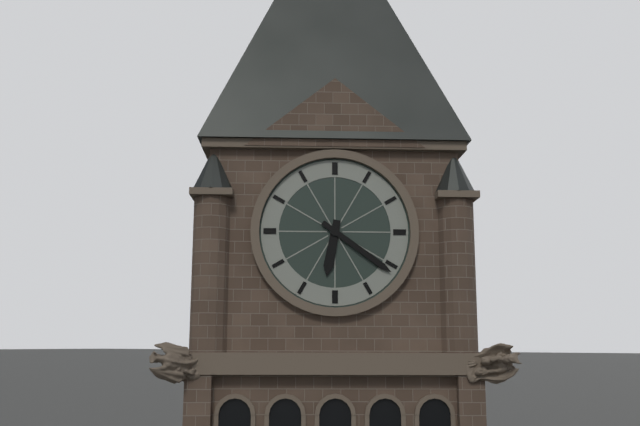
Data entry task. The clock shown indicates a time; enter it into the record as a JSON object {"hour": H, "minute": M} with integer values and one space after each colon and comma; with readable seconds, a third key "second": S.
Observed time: {"hour": 6, "minute": 21}
